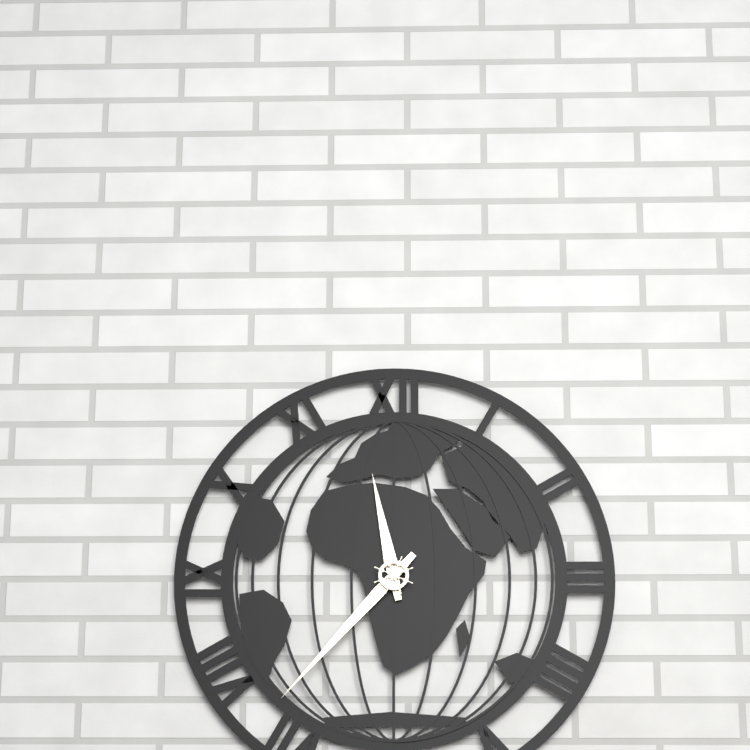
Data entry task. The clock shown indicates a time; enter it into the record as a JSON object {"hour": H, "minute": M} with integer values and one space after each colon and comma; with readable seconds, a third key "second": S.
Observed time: {"hour": 11, "minute": 37}
